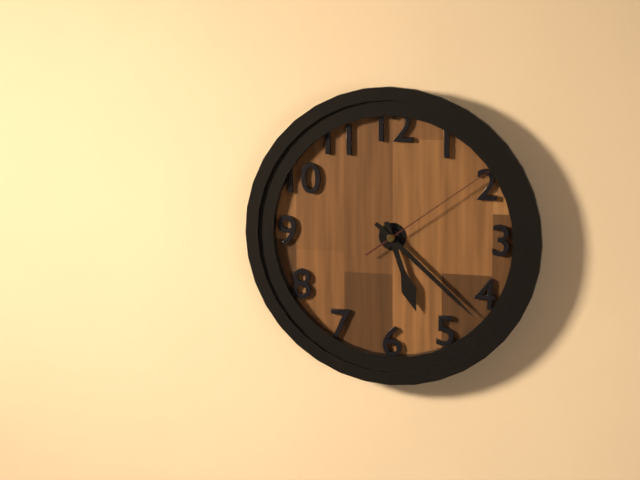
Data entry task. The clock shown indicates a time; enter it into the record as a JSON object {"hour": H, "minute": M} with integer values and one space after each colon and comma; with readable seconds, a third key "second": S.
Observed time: {"hour": 5, "minute": 22, "second": 9}
